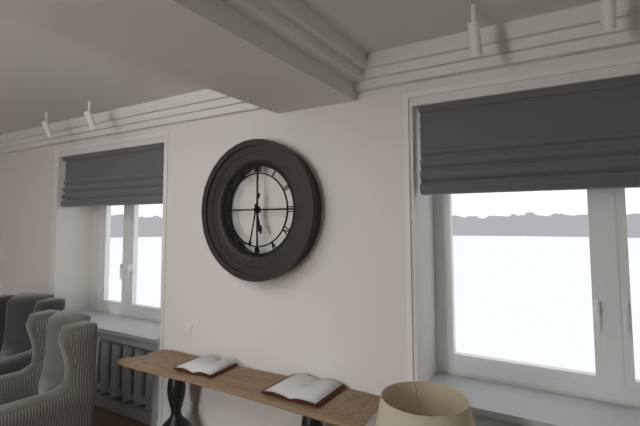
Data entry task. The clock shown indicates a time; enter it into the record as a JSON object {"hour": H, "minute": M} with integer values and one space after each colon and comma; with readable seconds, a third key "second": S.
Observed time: {"hour": 5, "minute": 32}
